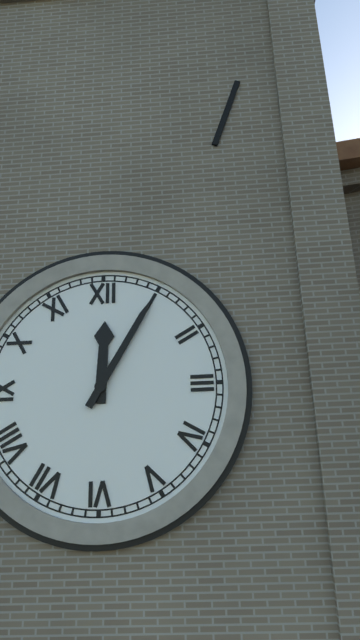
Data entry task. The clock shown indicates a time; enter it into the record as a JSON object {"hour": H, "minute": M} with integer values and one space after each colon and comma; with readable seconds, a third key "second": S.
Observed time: {"hour": 12, "minute": 5}
